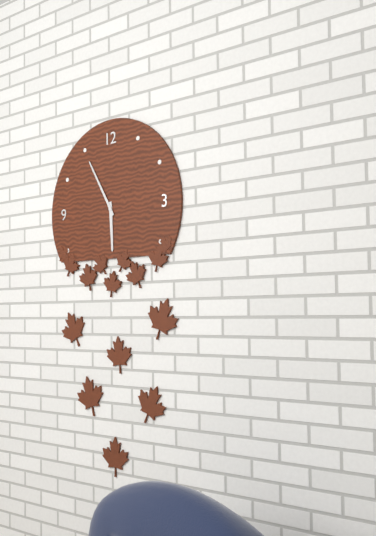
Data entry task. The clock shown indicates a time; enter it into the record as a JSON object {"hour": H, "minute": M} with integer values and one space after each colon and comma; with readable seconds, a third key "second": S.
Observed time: {"hour": 5, "minute": 55}
